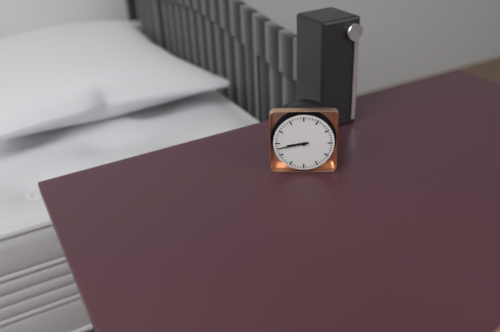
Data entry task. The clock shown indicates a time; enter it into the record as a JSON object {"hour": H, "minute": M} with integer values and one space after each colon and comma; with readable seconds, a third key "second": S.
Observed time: {"hour": 8, "minute": 43}
